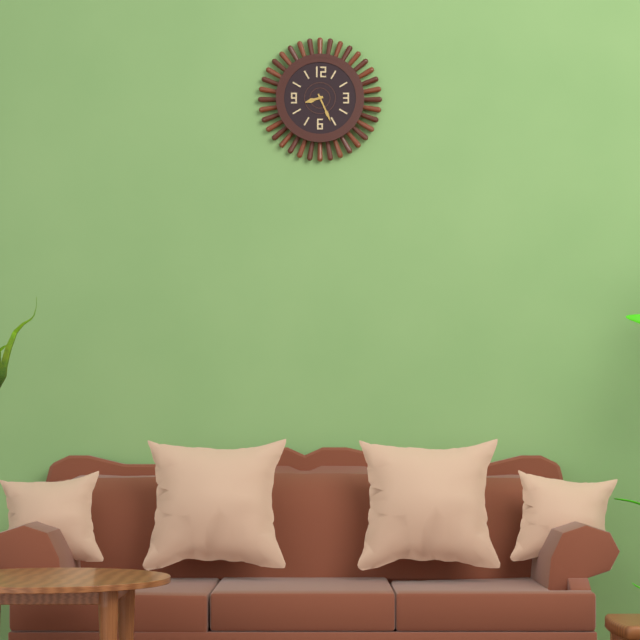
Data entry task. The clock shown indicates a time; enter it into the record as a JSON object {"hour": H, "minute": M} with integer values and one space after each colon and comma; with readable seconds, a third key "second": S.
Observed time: {"hour": 8, "minute": 26}
